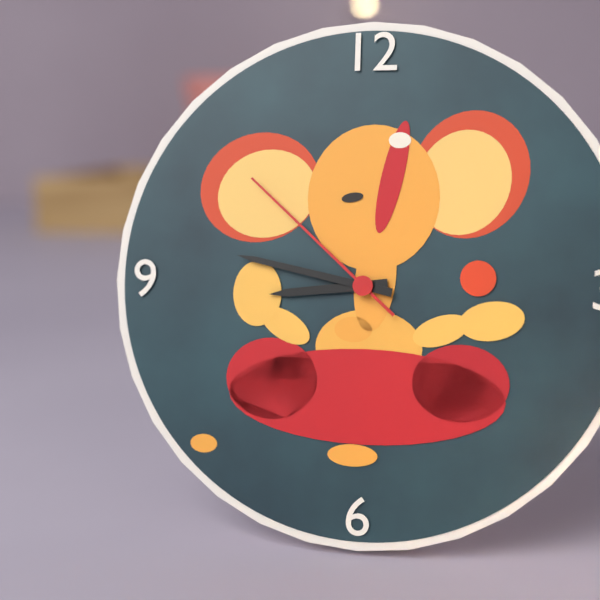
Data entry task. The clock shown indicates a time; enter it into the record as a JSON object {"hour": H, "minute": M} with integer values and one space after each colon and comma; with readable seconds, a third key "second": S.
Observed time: {"hour": 8, "minute": 47, "second": 52}
